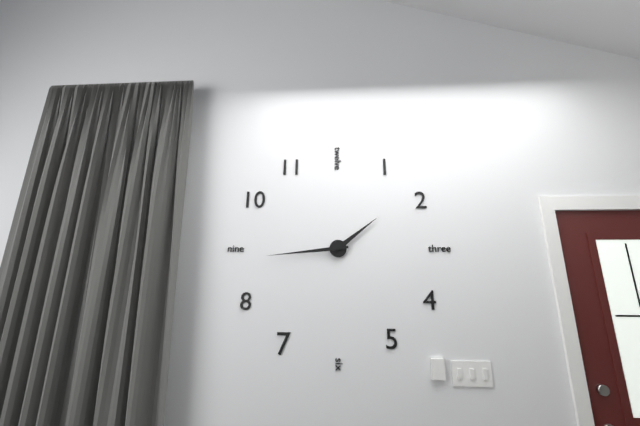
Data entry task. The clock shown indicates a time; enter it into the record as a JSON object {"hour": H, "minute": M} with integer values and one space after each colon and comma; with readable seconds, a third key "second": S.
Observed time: {"hour": 1, "minute": 44}
